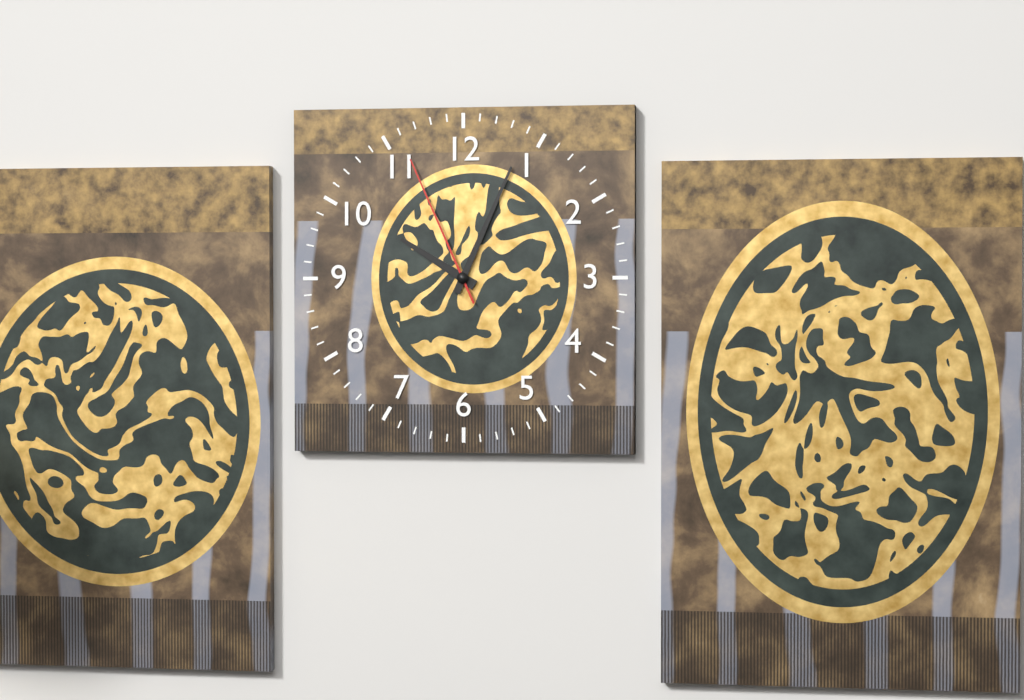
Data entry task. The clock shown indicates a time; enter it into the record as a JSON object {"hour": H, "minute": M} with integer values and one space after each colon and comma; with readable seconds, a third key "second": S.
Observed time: {"hour": 10, "minute": 4, "second": 56}
